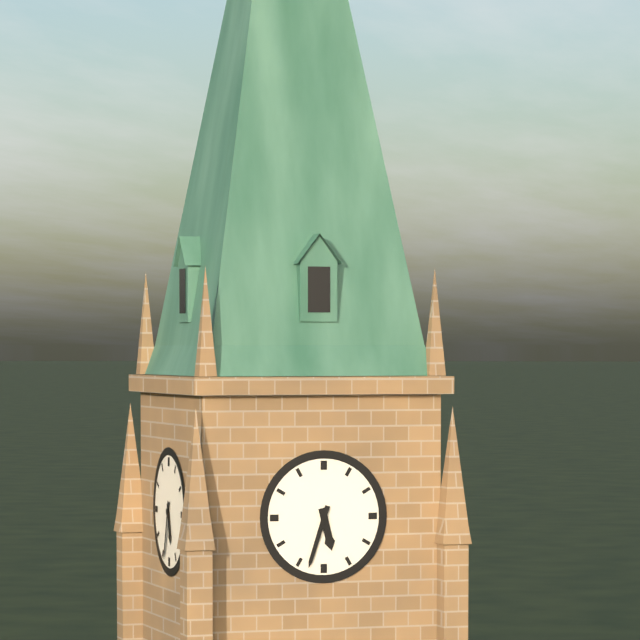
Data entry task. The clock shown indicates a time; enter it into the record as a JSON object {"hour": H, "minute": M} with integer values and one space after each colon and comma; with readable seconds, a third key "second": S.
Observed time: {"hour": 5, "minute": 33}
